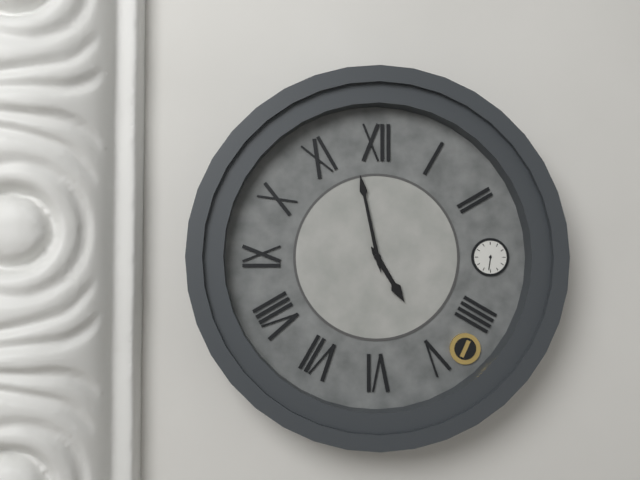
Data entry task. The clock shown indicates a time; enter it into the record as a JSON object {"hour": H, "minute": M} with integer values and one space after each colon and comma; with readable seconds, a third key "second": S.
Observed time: {"hour": 4, "minute": 58}
